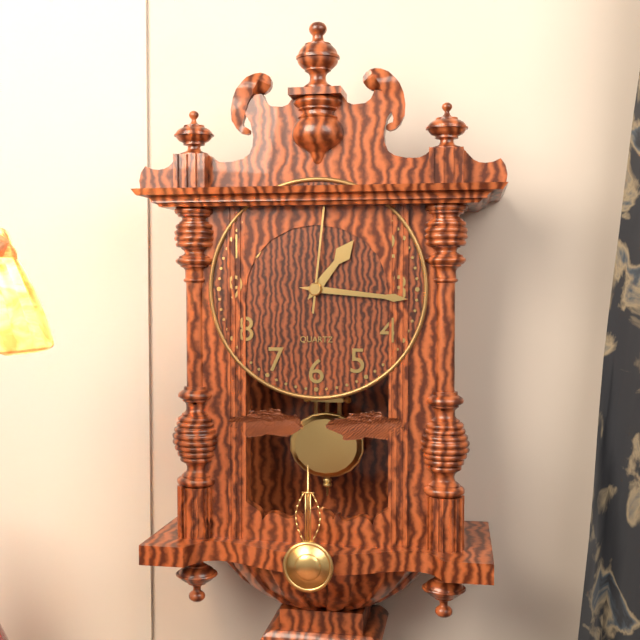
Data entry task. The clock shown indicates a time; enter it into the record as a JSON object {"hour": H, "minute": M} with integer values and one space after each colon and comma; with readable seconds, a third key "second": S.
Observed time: {"hour": 1, "minute": 16, "second": 1}
